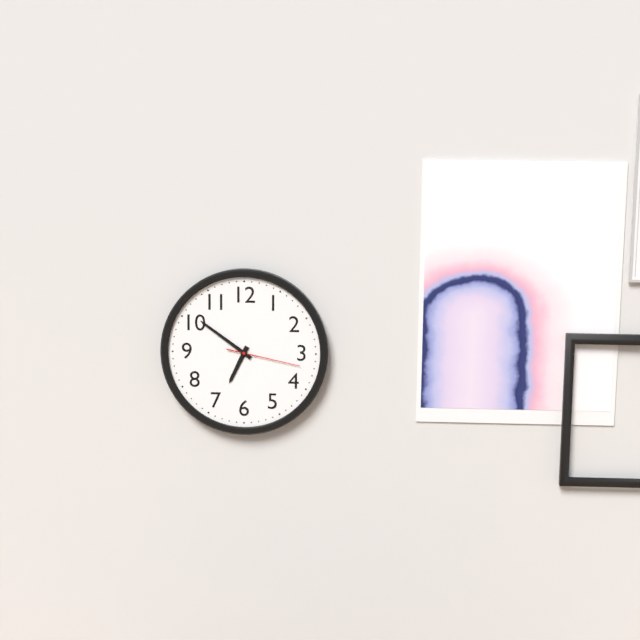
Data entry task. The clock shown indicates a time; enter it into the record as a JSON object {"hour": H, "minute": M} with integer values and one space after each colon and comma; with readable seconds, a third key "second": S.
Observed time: {"hour": 6, "minute": 51, "second": 17}
